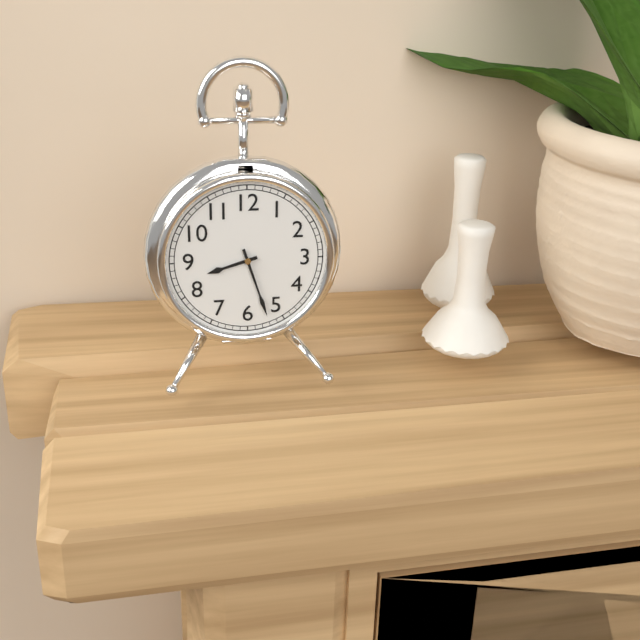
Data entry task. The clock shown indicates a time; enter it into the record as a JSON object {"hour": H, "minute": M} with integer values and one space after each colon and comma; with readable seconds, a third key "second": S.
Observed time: {"hour": 8, "minute": 27}
